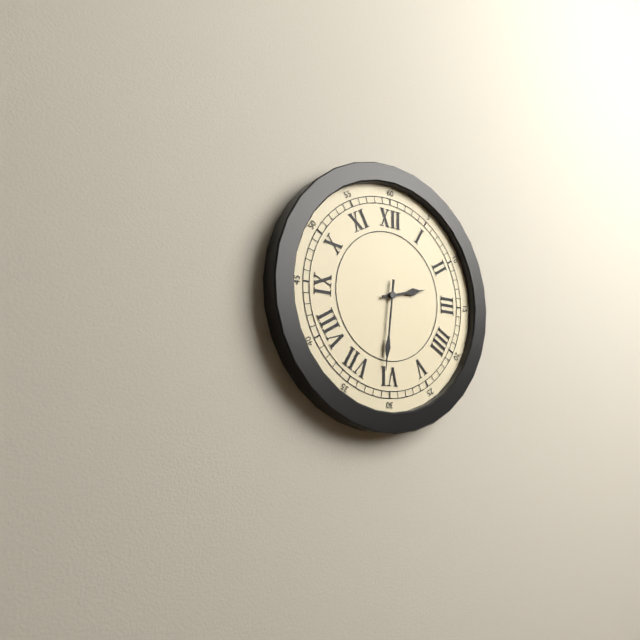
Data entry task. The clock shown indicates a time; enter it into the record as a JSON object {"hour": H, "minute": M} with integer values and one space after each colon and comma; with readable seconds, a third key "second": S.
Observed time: {"hour": 2, "minute": 31}
